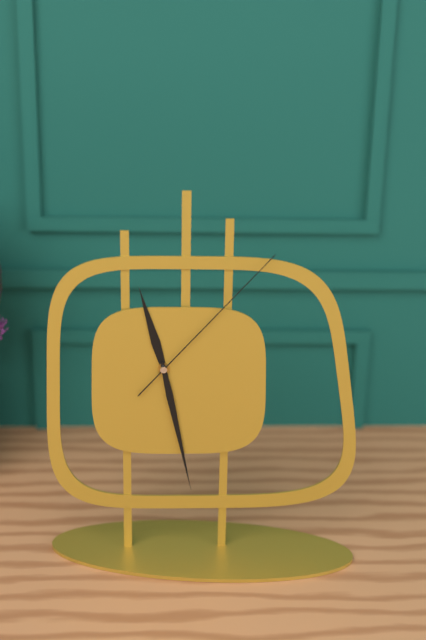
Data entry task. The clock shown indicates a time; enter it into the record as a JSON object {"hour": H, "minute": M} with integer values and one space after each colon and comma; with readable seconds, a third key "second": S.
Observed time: {"hour": 11, "minute": 28, "second": 7}
